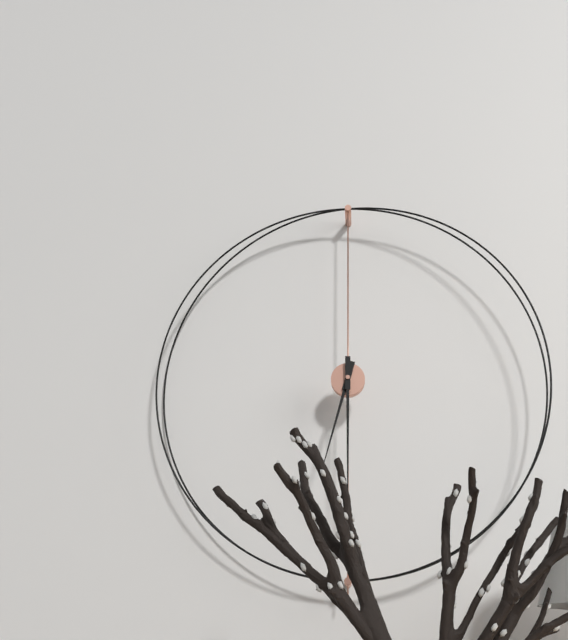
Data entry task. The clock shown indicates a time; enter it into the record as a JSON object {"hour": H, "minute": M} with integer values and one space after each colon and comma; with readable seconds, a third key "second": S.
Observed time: {"hour": 6, "minute": 30}
